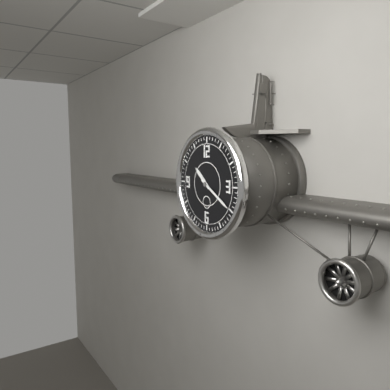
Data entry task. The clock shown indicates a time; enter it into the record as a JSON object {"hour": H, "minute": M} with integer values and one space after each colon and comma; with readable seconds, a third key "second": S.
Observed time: {"hour": 10, "minute": 20}
